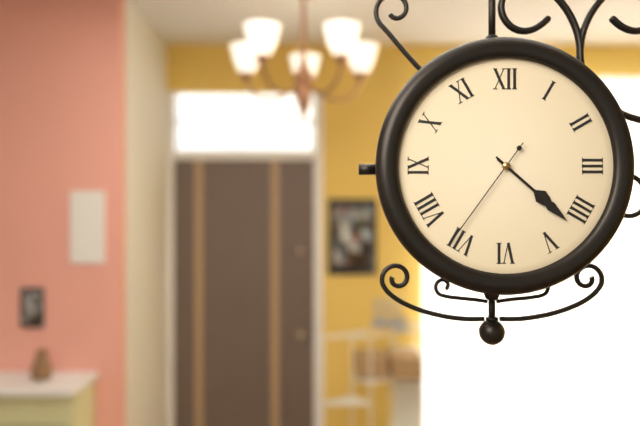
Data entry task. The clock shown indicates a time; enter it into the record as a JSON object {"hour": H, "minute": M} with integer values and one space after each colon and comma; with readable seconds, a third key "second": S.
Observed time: {"hour": 4, "minute": 22, "second": 36}
